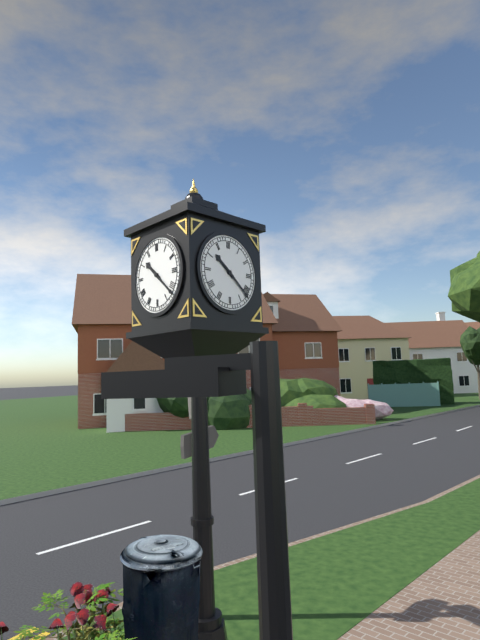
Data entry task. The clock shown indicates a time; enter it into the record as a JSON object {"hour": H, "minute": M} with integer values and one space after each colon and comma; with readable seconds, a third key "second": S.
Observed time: {"hour": 10, "minute": 22}
